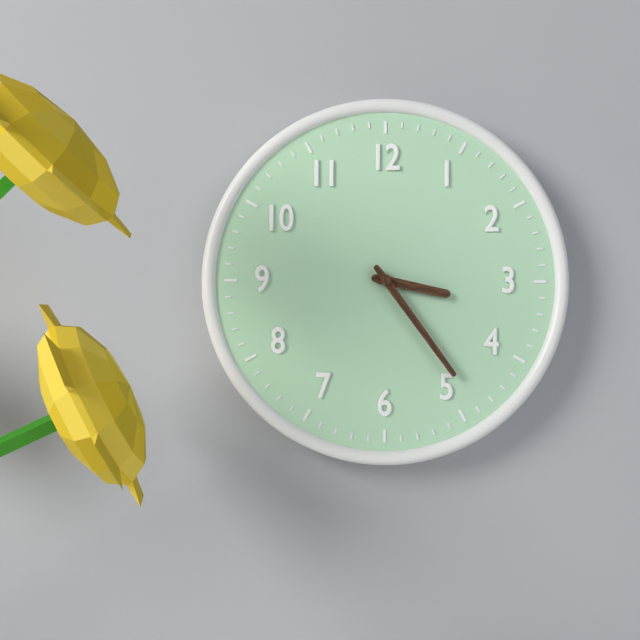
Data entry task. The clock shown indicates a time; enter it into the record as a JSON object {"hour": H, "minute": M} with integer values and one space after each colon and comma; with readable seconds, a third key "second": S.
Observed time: {"hour": 3, "minute": 24}
